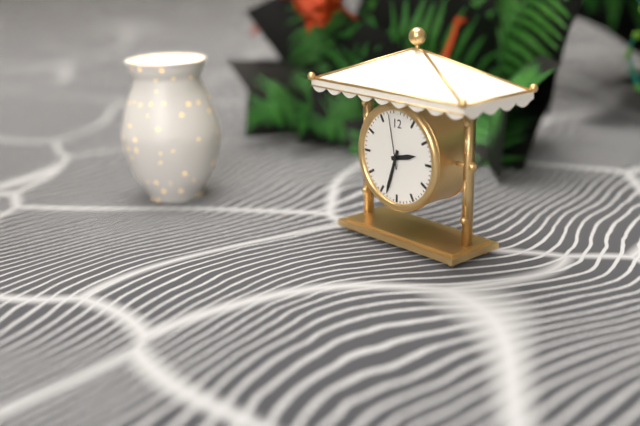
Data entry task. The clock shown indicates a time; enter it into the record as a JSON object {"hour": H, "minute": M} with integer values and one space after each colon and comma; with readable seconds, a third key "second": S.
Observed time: {"hour": 2, "minute": 33, "second": 58}
